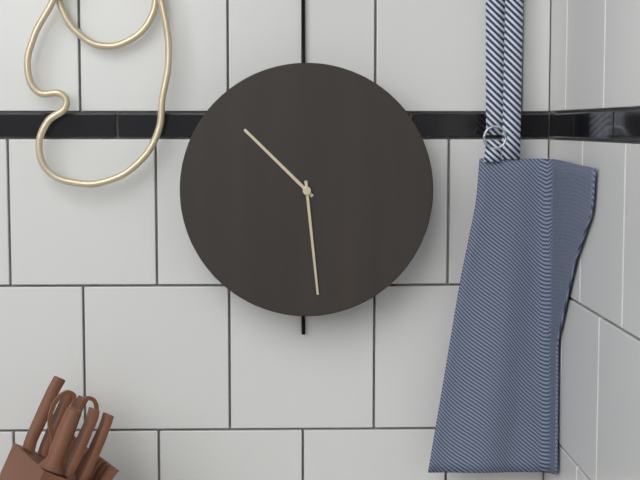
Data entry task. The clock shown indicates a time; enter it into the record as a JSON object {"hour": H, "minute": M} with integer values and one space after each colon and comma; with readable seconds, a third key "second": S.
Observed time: {"hour": 10, "minute": 29}
